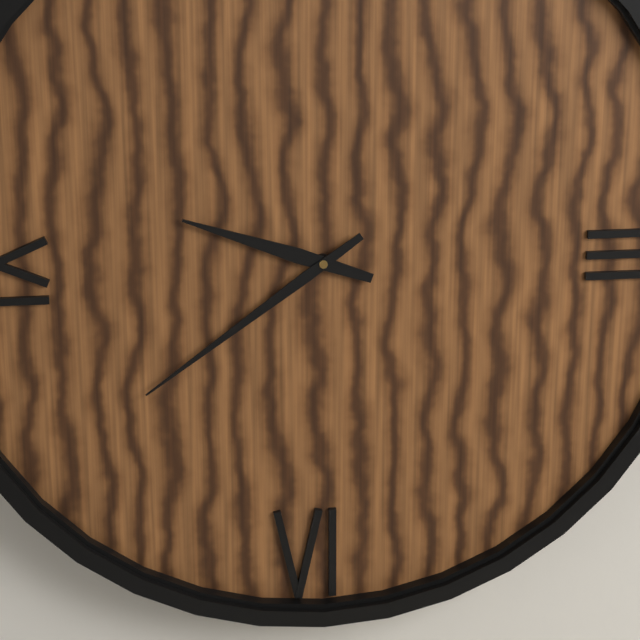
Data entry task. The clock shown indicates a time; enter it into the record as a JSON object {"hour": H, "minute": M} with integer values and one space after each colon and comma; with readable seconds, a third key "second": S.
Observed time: {"hour": 9, "minute": 39}
